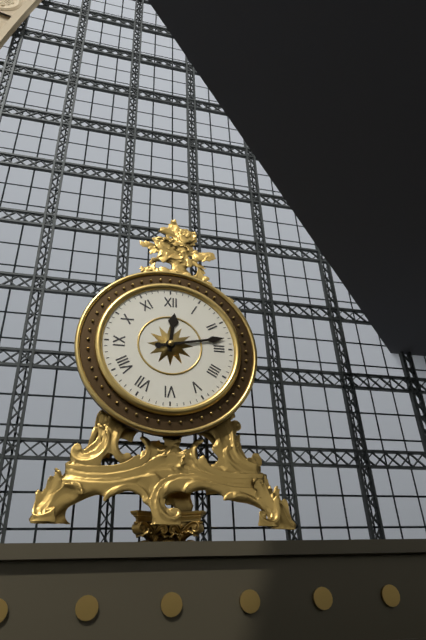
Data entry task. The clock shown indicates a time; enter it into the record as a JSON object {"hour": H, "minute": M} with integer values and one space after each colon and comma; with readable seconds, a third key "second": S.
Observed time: {"hour": 12, "minute": 13}
